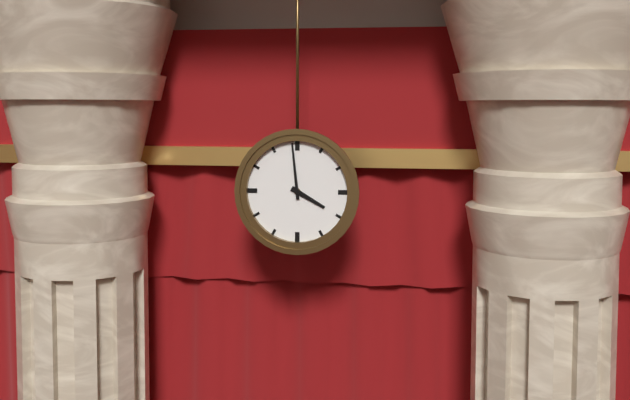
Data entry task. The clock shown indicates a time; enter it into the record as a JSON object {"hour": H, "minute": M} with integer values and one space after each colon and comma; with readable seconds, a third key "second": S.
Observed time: {"hour": 3, "minute": 59}
